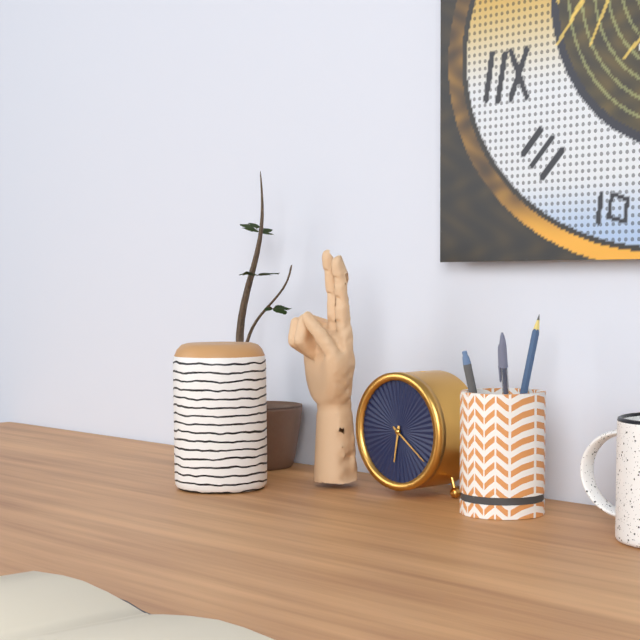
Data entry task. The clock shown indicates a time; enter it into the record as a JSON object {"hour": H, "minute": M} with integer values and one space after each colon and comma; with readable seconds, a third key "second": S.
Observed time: {"hour": 6, "minute": 21}
